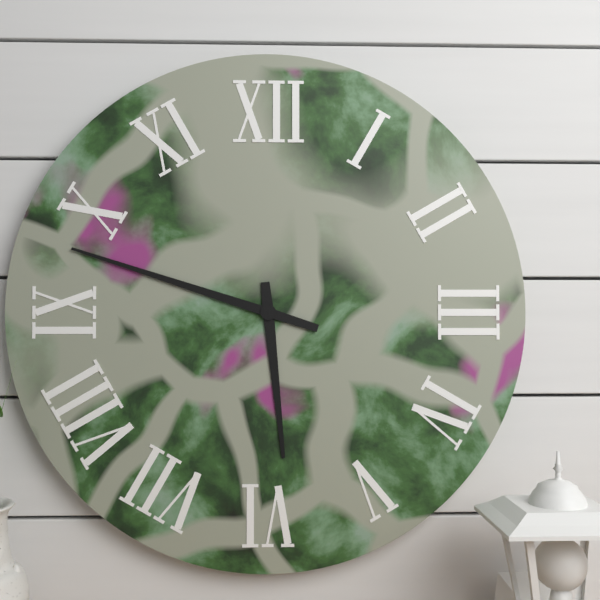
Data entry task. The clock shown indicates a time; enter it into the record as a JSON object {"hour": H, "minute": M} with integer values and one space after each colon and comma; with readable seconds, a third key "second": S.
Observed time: {"hour": 5, "minute": 48}
